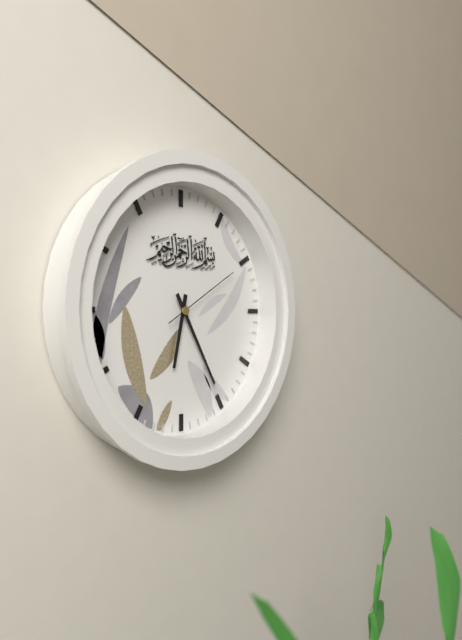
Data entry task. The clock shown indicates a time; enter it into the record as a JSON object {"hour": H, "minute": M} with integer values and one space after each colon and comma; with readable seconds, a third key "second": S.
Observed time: {"hour": 6, "minute": 25, "second": 10}
